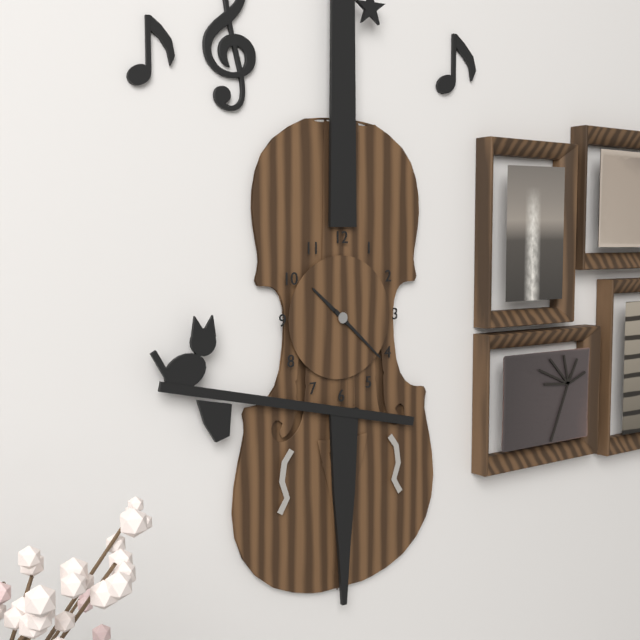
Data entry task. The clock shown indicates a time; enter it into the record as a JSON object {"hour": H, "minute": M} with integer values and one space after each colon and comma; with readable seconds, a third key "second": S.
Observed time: {"hour": 10, "minute": 22}
